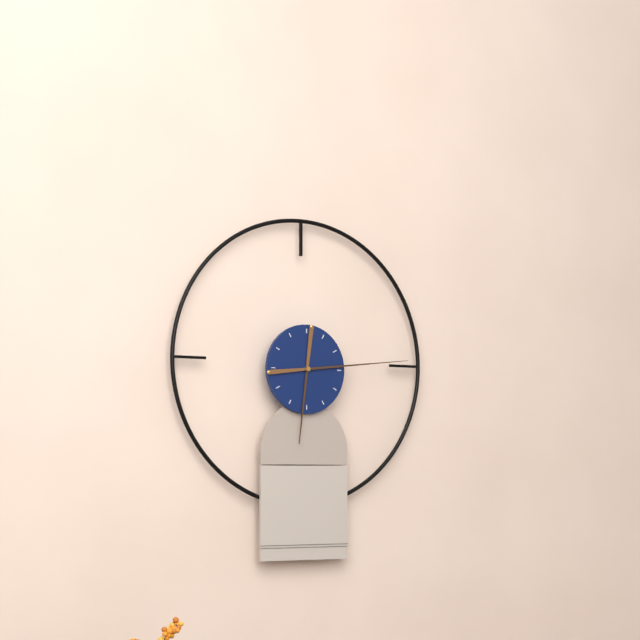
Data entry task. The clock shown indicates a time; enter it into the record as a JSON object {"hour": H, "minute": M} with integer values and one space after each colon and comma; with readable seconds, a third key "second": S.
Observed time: {"hour": 6, "minute": 14}
